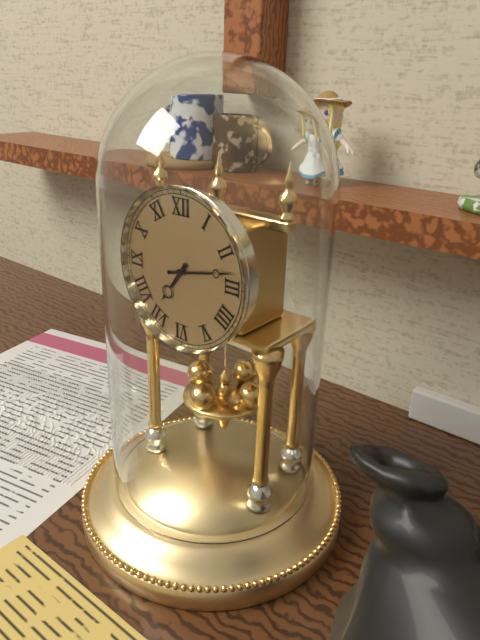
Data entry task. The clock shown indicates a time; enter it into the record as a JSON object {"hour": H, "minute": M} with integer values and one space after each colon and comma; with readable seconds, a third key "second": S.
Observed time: {"hour": 7, "minute": 13}
